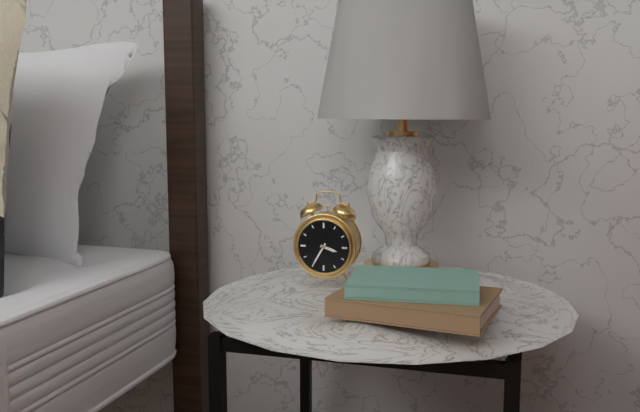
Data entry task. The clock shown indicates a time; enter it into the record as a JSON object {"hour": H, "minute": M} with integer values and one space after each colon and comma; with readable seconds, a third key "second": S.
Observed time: {"hour": 3, "minute": 35}
